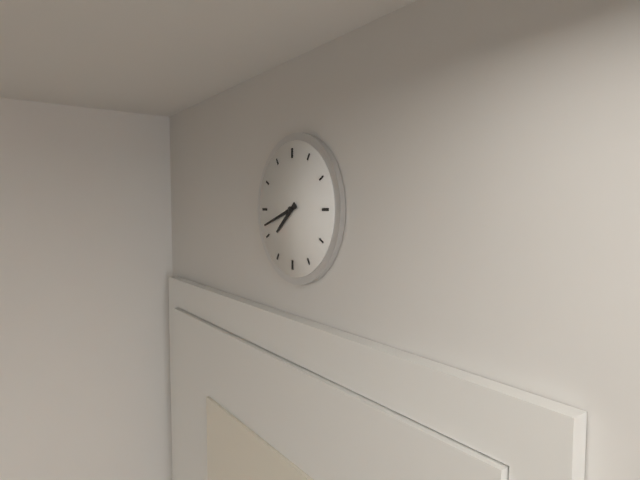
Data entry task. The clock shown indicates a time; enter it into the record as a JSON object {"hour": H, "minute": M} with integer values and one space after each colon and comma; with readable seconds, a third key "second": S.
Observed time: {"hour": 7, "minute": 42}
